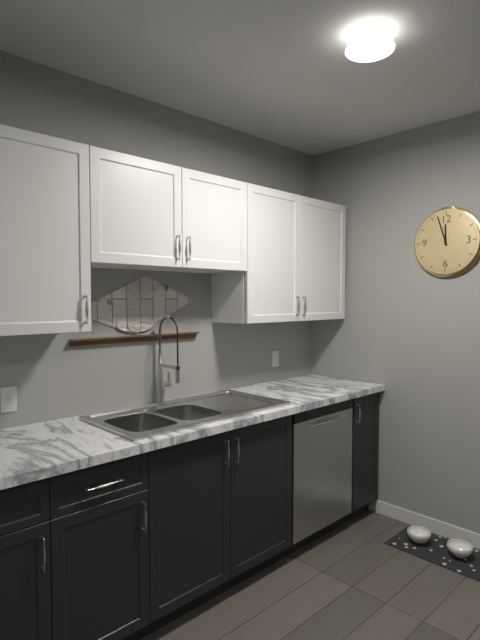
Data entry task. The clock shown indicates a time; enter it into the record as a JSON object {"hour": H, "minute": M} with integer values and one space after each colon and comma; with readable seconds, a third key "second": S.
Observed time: {"hour": 11, "minute": 57}
